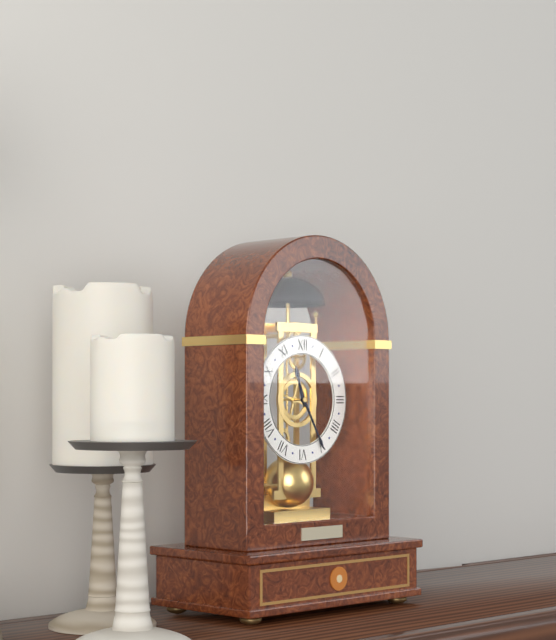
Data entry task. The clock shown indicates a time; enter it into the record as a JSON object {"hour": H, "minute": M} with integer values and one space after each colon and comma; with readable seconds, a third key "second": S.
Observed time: {"hour": 11, "minute": 25}
